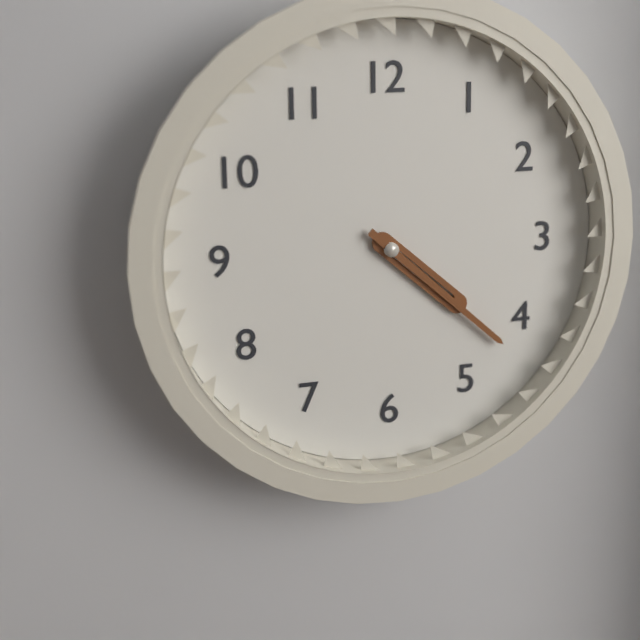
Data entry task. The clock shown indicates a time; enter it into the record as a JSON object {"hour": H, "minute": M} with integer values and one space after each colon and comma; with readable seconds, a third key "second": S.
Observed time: {"hour": 4, "minute": 22}
